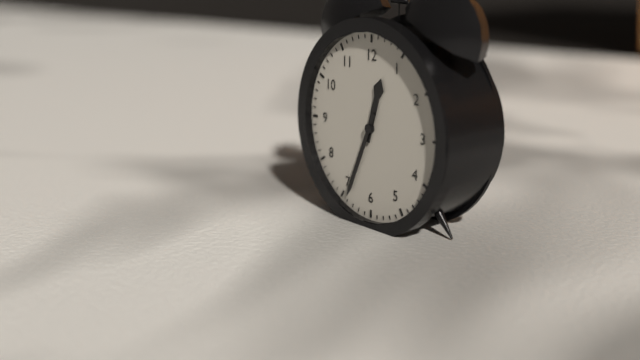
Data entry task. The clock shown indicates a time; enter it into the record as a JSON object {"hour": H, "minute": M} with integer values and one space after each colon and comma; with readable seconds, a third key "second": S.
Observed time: {"hour": 12, "minute": 34}
